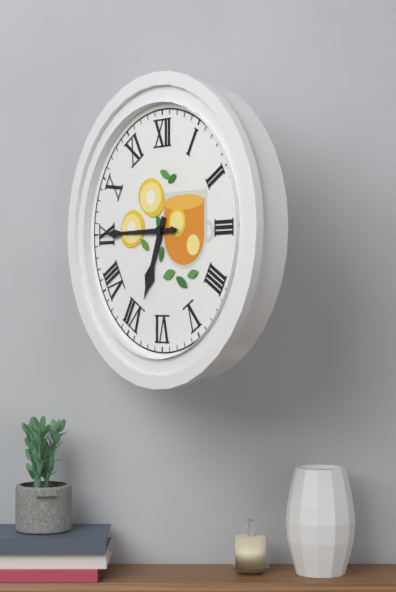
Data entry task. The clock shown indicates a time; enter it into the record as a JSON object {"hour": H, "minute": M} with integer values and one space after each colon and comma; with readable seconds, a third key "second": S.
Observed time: {"hour": 6, "minute": 45, "second": 45}
